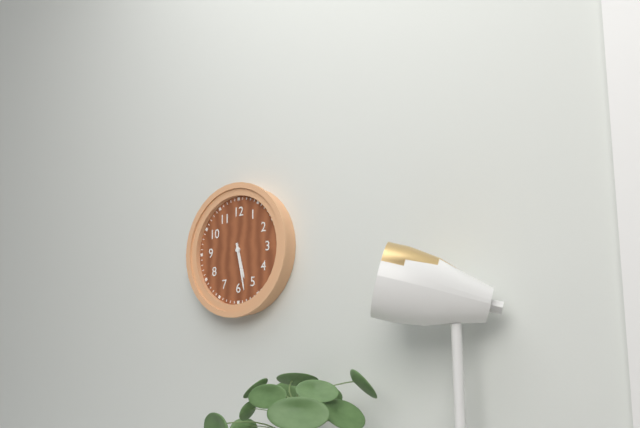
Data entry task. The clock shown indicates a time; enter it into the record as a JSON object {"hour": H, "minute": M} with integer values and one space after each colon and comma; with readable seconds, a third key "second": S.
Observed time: {"hour": 5, "minute": 28}
